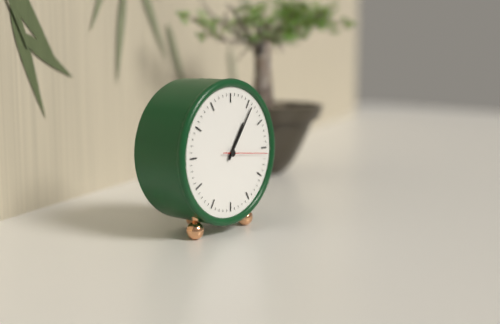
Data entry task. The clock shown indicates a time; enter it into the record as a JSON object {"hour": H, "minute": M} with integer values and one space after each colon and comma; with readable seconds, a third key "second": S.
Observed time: {"hour": 1, "minute": 6}
